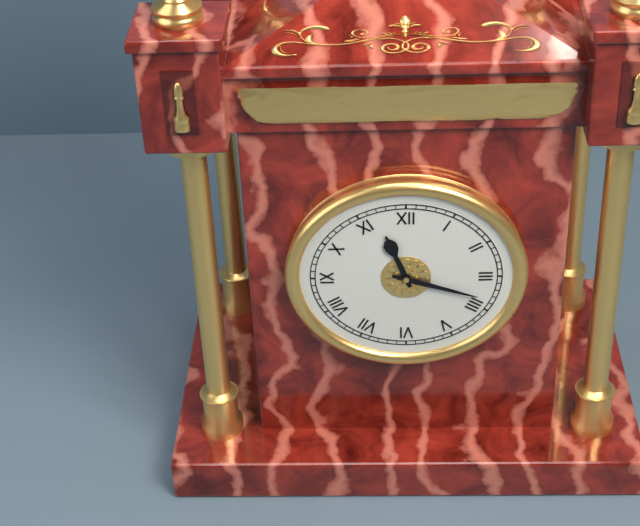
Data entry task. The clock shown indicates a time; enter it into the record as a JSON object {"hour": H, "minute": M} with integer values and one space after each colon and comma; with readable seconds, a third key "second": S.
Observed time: {"hour": 11, "minute": 18}
